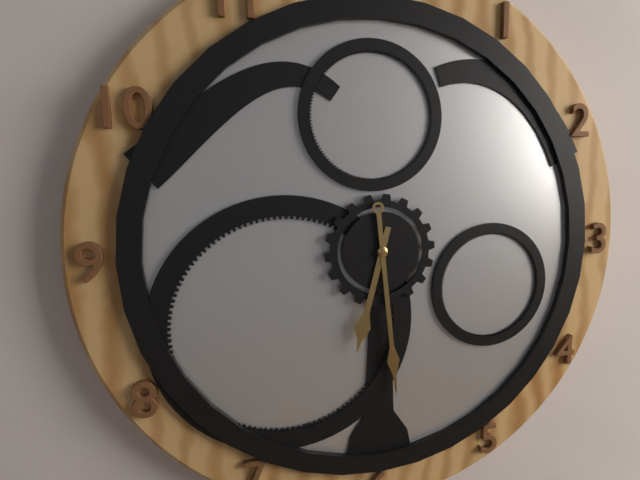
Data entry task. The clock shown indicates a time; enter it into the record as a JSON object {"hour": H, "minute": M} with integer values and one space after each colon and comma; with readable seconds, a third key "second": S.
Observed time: {"hour": 6, "minute": 29}
